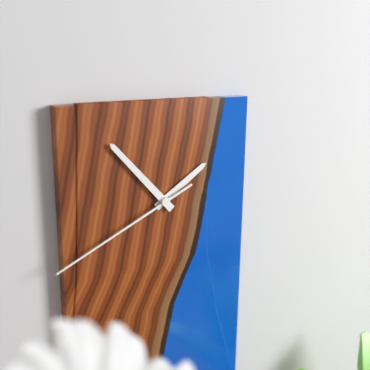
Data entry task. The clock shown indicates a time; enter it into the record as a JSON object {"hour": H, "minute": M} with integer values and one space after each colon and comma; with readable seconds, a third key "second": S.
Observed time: {"hour": 1, "minute": 53, "second": 41}
